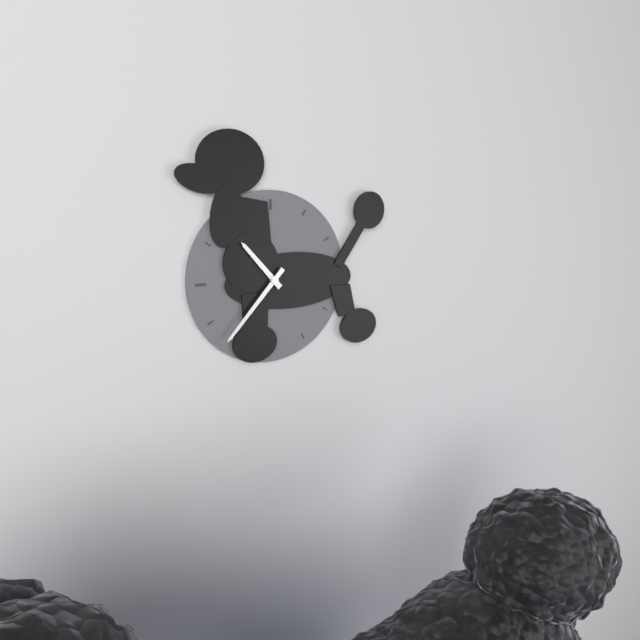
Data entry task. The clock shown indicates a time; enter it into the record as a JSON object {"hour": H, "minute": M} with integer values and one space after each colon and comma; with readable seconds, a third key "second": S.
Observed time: {"hour": 10, "minute": 37}
